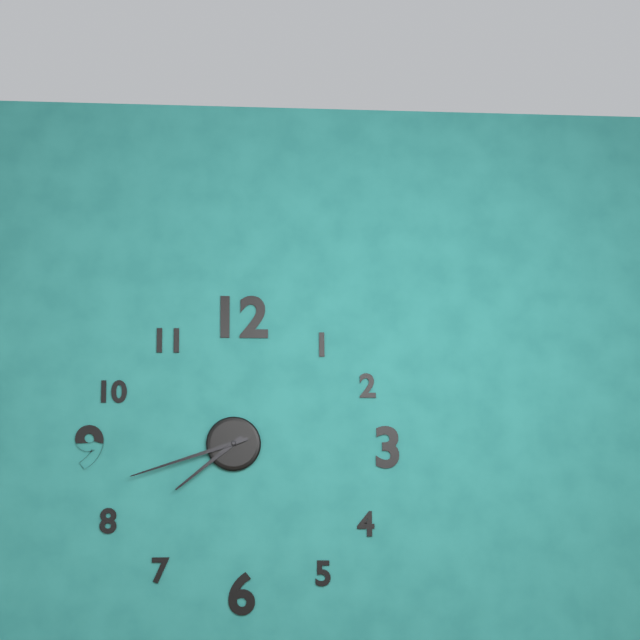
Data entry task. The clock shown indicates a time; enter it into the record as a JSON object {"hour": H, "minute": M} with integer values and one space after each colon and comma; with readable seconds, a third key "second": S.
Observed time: {"hour": 7, "minute": 42}
